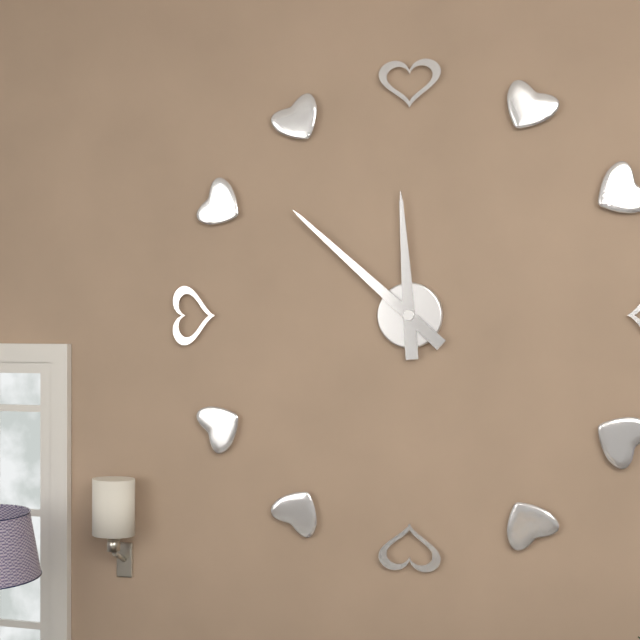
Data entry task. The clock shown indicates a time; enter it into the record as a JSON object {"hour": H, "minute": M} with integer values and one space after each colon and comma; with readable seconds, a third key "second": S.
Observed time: {"hour": 11, "minute": 52}
